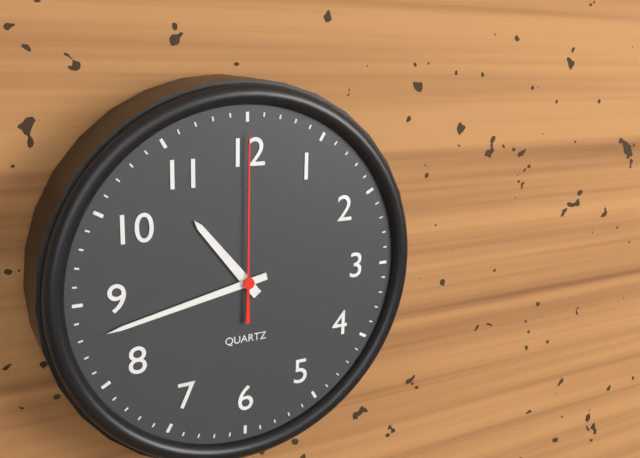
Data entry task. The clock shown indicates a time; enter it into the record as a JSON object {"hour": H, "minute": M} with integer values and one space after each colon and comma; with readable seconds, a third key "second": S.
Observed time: {"hour": 10, "minute": 43, "second": 0}
